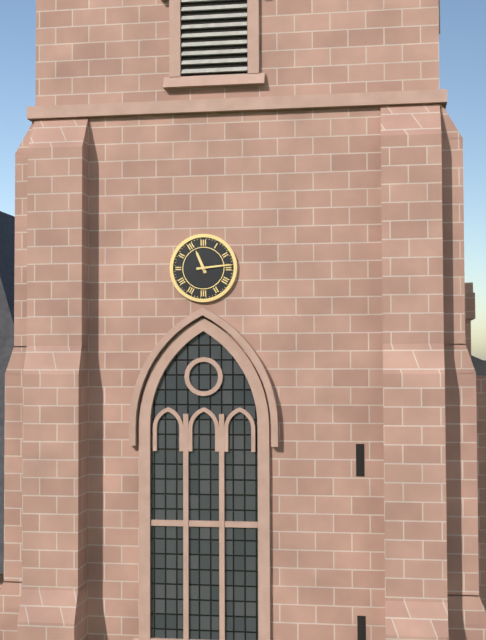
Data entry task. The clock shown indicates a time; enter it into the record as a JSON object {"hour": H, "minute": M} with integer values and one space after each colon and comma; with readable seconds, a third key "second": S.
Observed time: {"hour": 11, "minute": 14}
